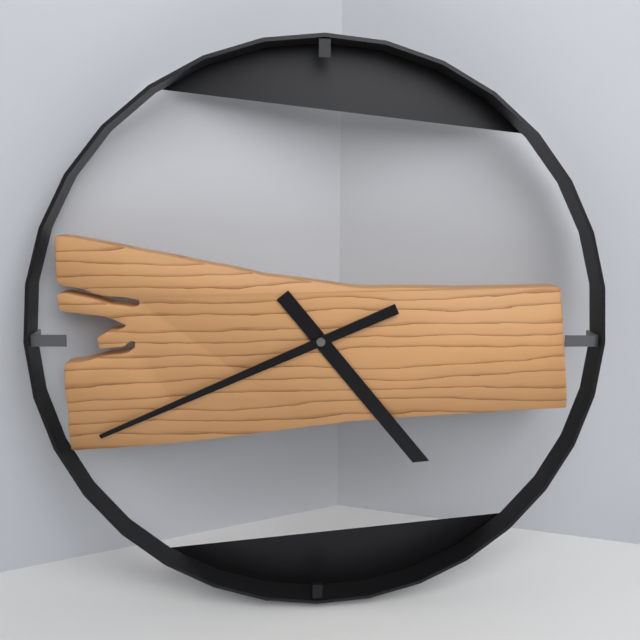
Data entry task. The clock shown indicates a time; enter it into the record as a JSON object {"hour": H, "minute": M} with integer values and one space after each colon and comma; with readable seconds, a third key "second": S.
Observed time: {"hour": 4, "minute": 41}
